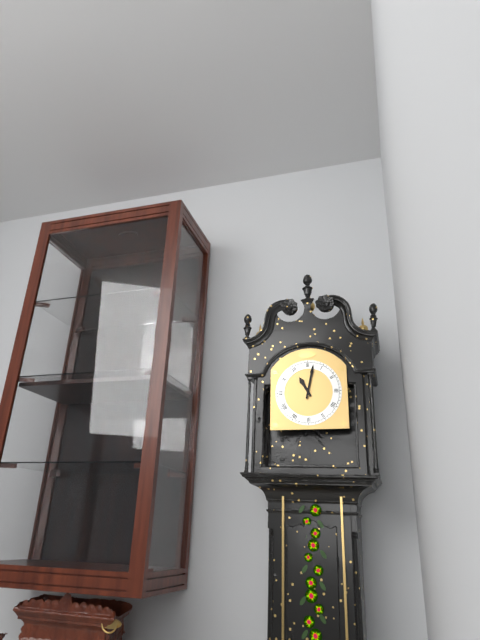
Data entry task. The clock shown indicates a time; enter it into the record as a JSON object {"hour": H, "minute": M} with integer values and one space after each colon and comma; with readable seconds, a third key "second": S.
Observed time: {"hour": 11, "minute": 2}
